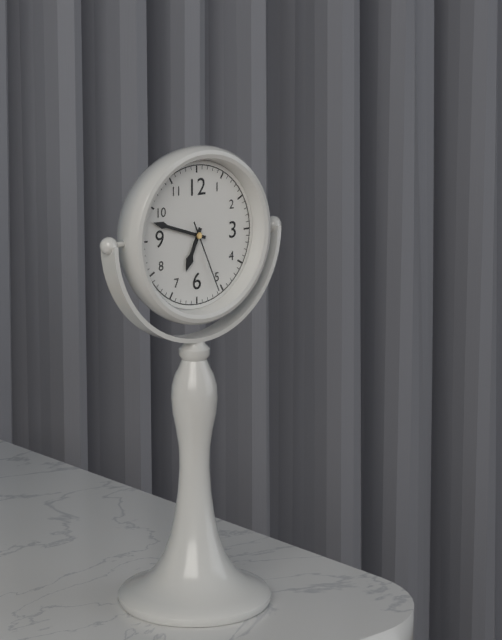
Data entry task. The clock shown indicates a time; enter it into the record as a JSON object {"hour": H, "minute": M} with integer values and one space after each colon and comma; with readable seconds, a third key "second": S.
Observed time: {"hour": 6, "minute": 48, "second": 26}
